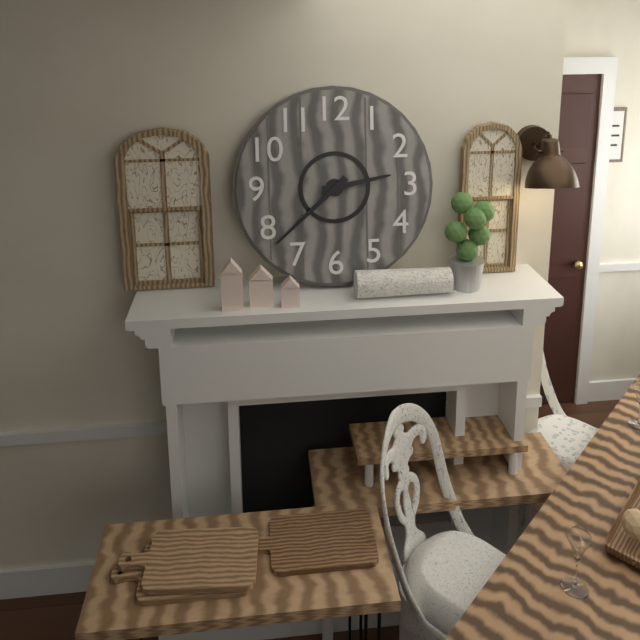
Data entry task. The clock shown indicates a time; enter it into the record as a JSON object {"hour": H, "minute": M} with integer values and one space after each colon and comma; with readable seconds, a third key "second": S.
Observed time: {"hour": 2, "minute": 38}
